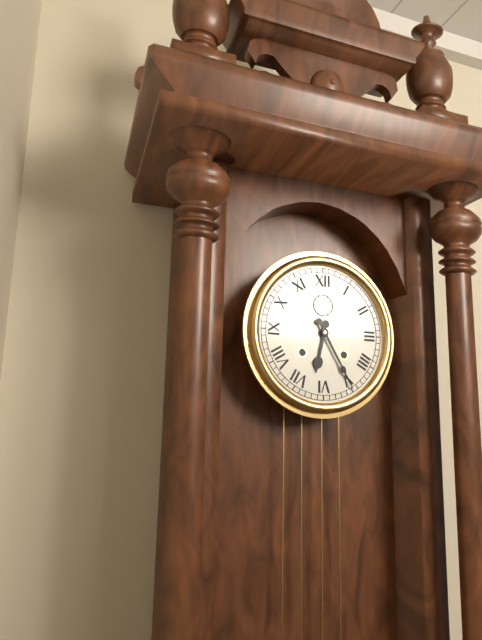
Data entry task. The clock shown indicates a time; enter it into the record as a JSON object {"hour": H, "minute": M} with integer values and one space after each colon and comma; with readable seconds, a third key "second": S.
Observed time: {"hour": 6, "minute": 25}
